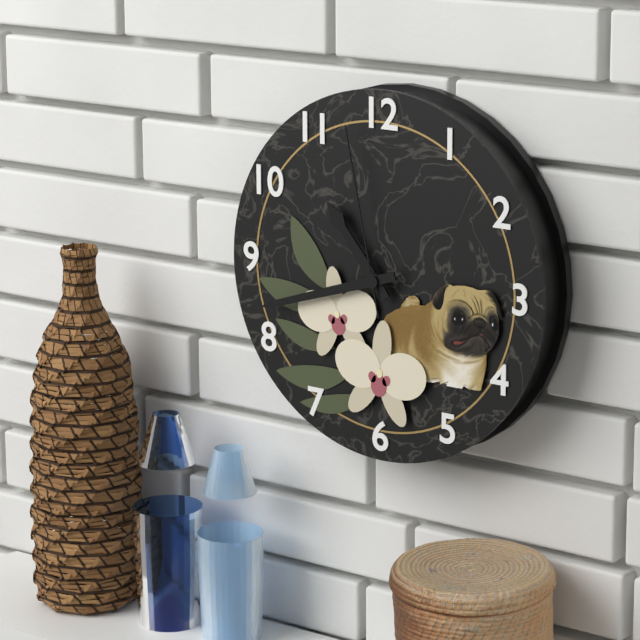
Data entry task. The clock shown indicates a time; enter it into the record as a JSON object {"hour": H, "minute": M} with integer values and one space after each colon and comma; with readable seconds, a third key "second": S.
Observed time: {"hour": 10, "minute": 42, "second": 58}
